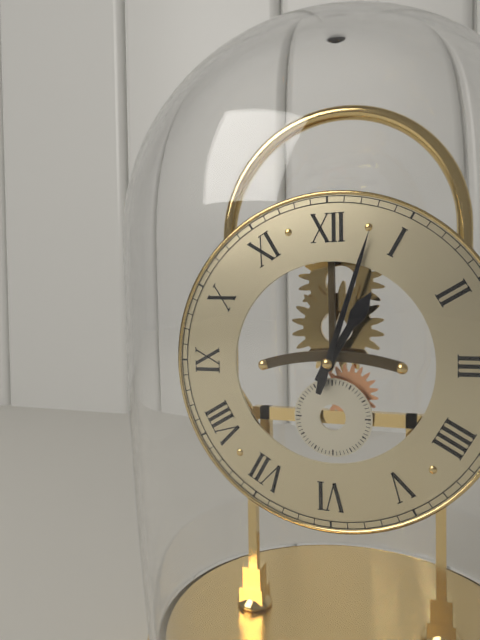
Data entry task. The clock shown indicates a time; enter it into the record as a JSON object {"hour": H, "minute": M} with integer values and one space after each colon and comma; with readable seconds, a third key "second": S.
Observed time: {"hour": 1, "minute": 3}
